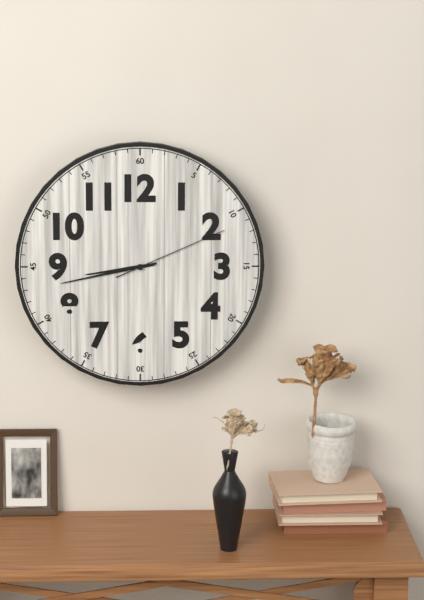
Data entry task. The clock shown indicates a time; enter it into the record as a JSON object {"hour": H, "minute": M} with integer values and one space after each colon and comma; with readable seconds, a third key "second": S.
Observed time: {"hour": 8, "minute": 43, "second": 11}
